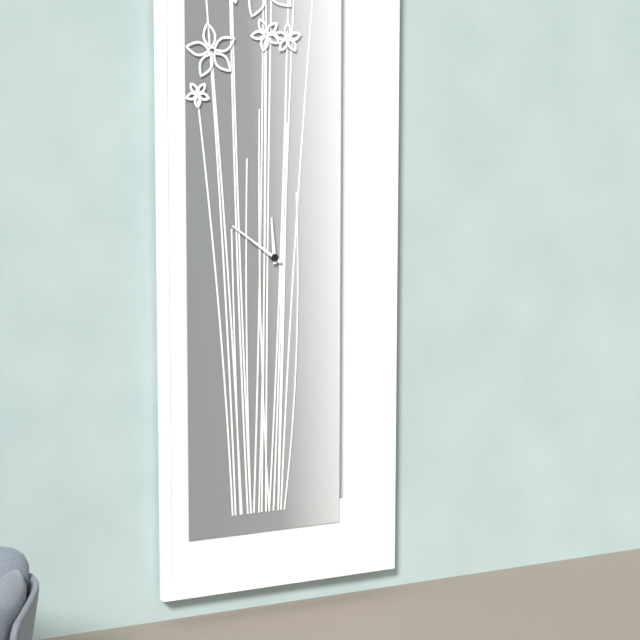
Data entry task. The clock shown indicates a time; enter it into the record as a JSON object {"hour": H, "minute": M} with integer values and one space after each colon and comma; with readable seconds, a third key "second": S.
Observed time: {"hour": 11, "minute": 51}
